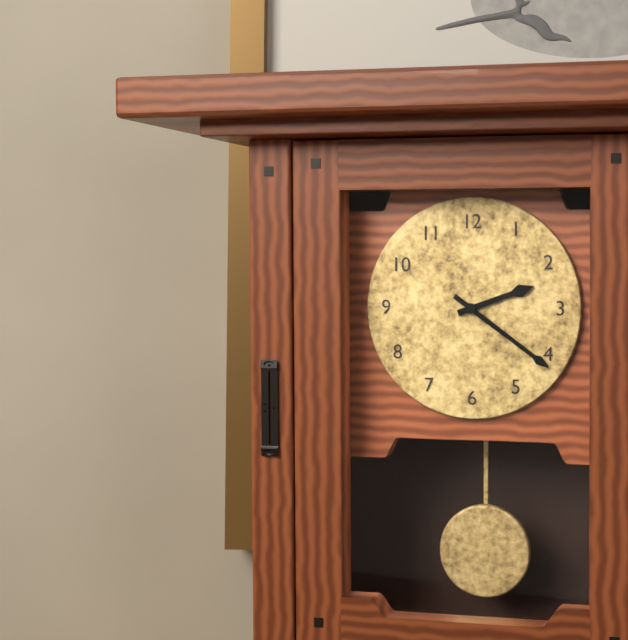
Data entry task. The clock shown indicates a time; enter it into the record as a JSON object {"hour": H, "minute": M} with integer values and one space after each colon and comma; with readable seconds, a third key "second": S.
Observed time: {"hour": 2, "minute": 21}
